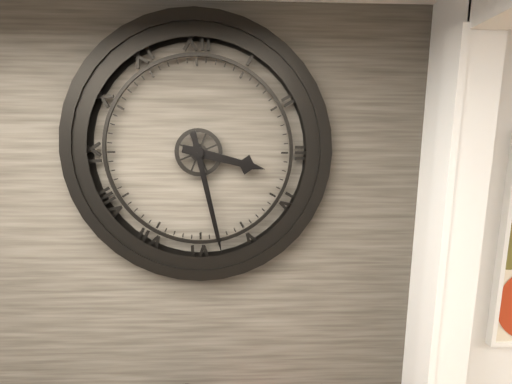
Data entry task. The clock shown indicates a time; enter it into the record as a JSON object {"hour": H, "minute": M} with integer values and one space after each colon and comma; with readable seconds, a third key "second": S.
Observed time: {"hour": 3, "minute": 28}
